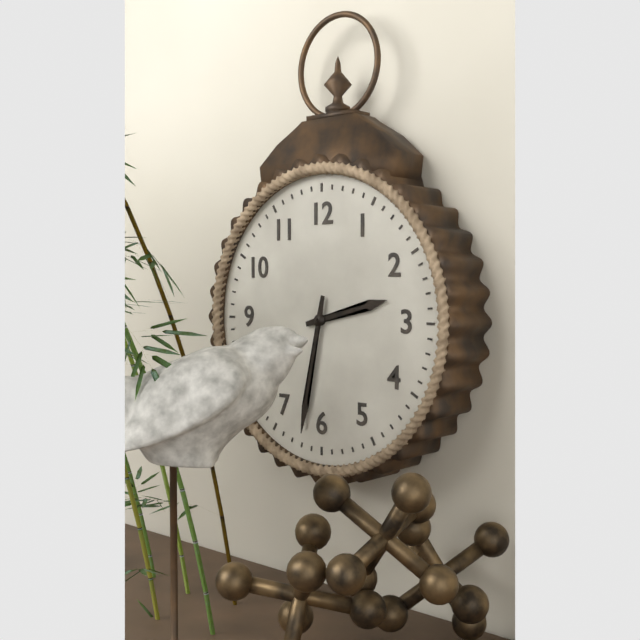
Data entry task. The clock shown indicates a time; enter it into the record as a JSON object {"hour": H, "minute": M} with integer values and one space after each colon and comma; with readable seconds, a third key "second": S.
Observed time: {"hour": 2, "minute": 32}
